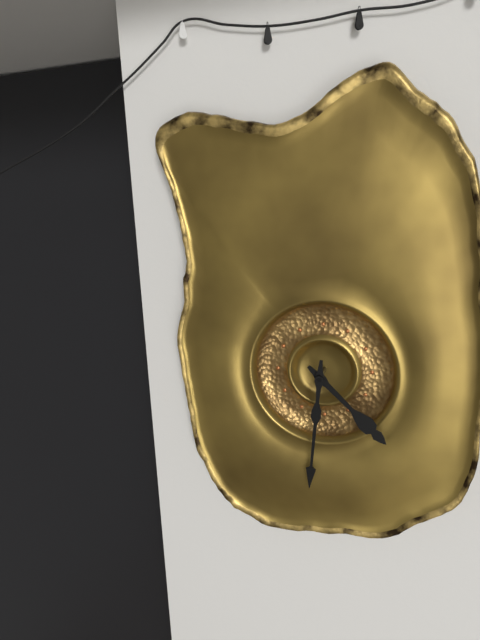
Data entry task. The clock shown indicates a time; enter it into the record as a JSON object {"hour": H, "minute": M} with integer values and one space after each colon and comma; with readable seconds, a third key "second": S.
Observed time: {"hour": 4, "minute": 31}
